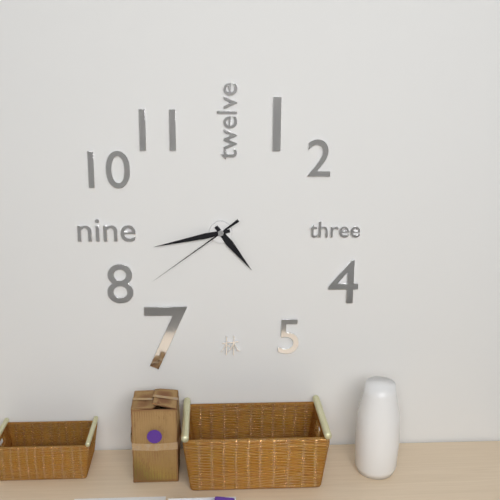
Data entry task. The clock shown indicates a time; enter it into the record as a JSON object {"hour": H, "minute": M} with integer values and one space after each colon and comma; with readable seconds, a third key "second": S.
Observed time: {"hour": 4, "minute": 43, "second": 39}
